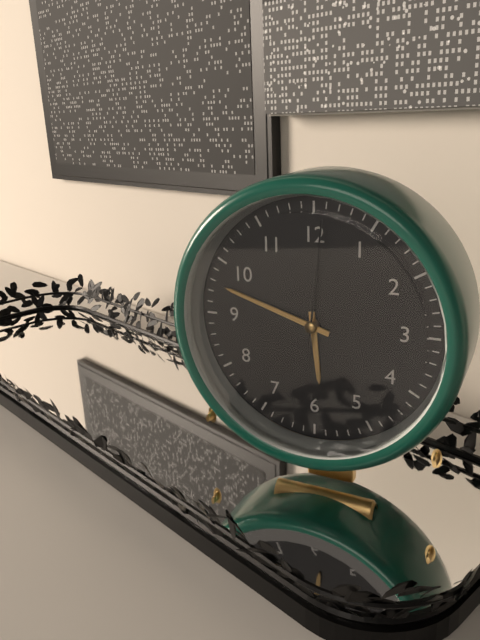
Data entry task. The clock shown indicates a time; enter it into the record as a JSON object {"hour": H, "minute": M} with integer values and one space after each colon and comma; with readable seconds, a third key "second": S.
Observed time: {"hour": 5, "minute": 48, "second": 1}
